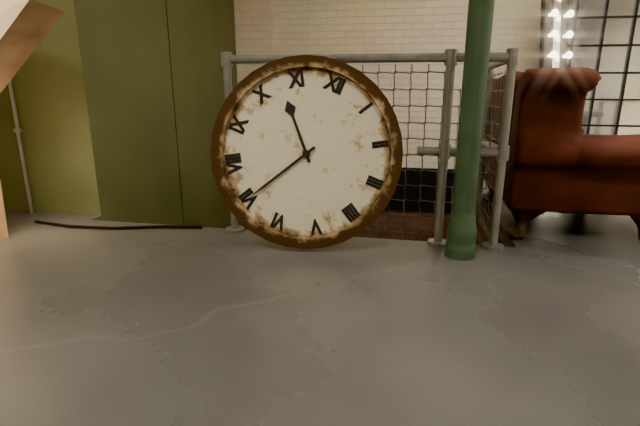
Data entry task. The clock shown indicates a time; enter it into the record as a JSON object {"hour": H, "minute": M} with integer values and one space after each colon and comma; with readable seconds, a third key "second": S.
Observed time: {"hour": 10, "minute": 35}
